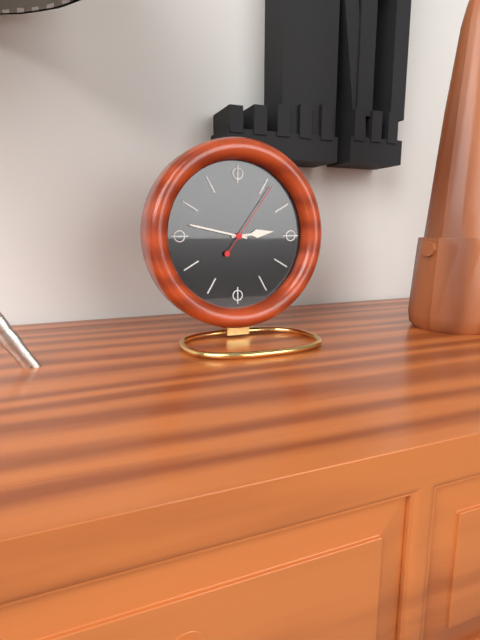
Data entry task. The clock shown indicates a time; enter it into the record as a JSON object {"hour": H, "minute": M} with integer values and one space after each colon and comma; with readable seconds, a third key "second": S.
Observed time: {"hour": 2, "minute": 47, "second": 6}
